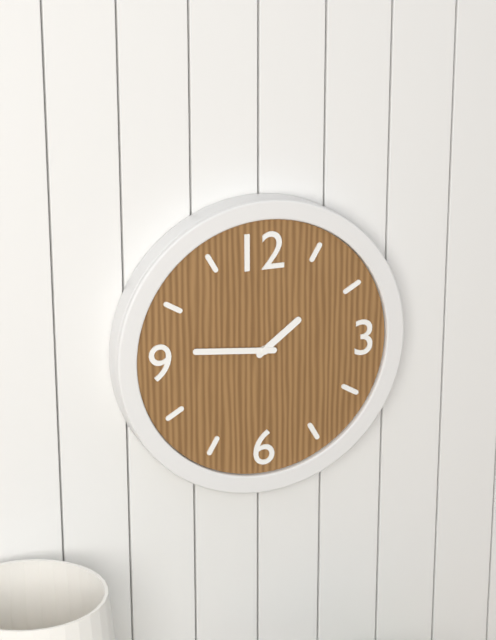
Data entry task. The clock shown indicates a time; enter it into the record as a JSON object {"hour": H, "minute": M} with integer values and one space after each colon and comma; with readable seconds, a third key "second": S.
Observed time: {"hour": 1, "minute": 46}
